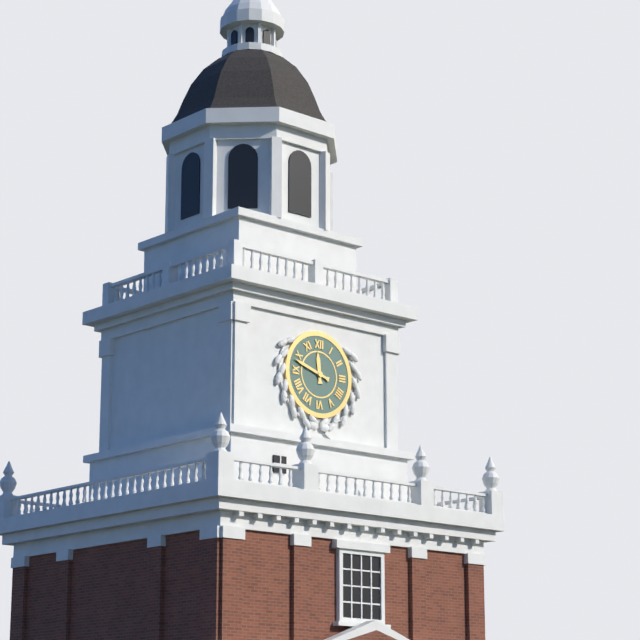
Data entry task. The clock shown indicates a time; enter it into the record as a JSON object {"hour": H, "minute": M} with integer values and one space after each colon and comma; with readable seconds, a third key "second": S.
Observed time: {"hour": 11, "minute": 48}
